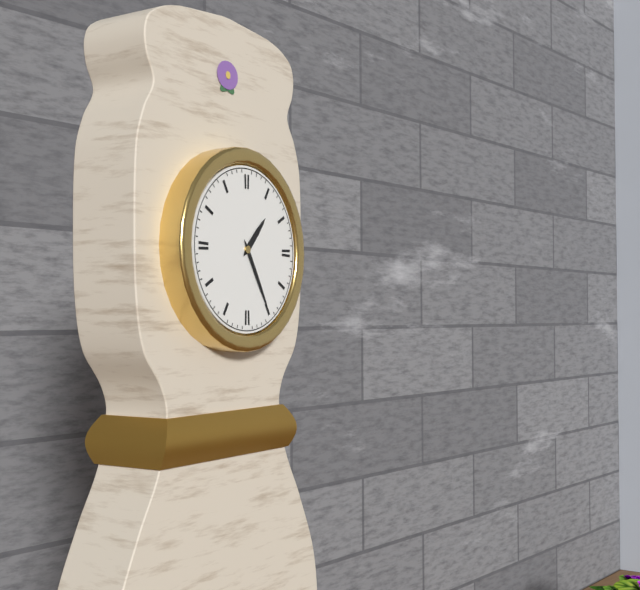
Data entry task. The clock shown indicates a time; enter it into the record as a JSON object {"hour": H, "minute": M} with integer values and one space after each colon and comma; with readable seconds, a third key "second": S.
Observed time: {"hour": 1, "minute": 25}
